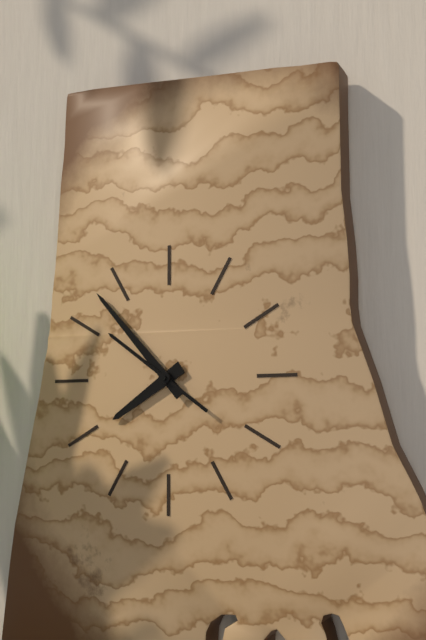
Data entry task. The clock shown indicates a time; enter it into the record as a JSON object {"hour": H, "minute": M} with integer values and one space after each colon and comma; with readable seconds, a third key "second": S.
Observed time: {"hour": 7, "minute": 53, "second": 51}
